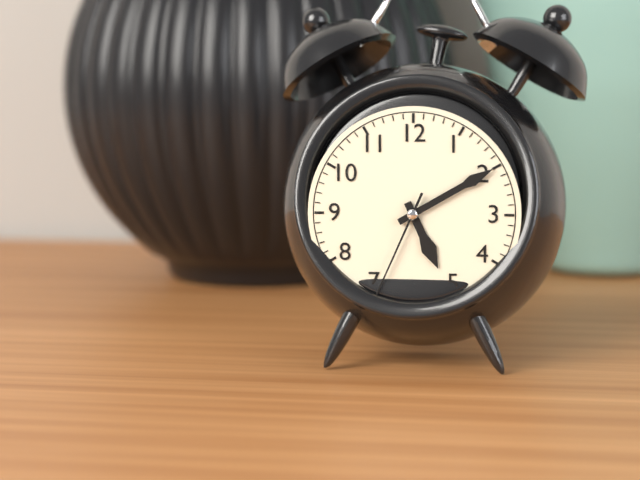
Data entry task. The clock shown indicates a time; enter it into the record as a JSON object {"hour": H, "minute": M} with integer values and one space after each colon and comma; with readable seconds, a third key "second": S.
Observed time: {"hour": 5, "minute": 10, "second": 34}
